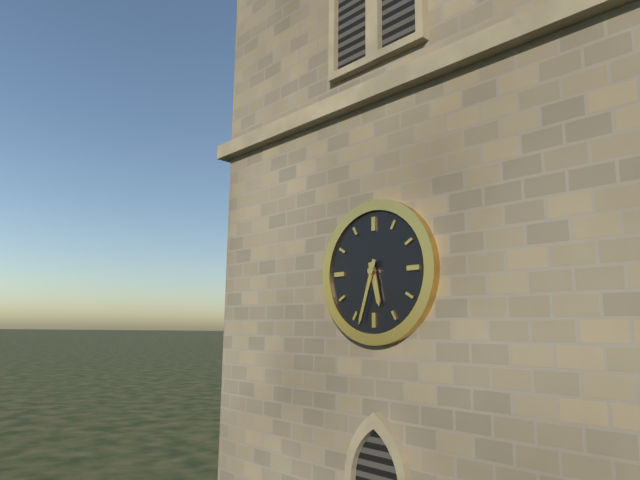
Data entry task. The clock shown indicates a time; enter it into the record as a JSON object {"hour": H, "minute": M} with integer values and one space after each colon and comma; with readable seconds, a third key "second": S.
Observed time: {"hour": 5, "minute": 33}
